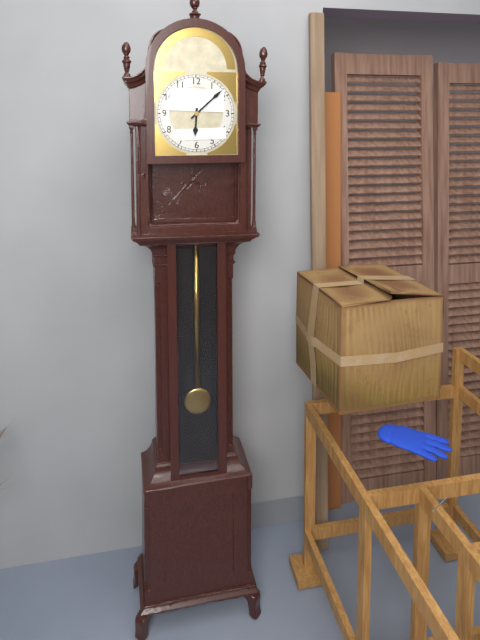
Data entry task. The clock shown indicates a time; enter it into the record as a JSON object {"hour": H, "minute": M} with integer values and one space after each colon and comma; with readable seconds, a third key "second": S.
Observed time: {"hour": 6, "minute": 8}
